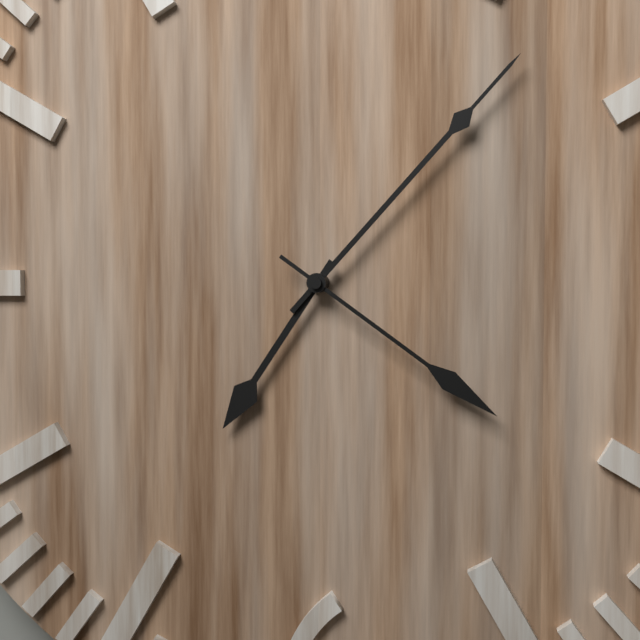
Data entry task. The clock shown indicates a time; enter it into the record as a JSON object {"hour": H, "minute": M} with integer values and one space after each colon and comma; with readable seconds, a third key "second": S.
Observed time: {"hour": 7, "minute": 7, "second": 21}
